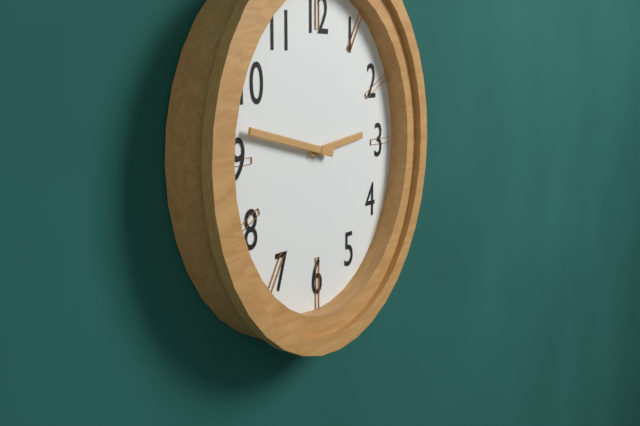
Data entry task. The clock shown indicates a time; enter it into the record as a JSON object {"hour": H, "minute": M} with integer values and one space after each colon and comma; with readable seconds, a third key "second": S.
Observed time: {"hour": 2, "minute": 47}
